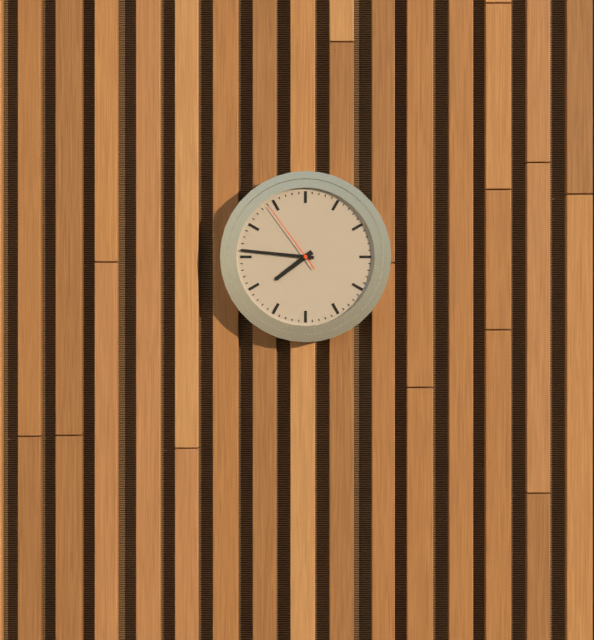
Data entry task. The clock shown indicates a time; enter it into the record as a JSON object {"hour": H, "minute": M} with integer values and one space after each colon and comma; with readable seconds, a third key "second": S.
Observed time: {"hour": 7, "minute": 46, "second": 54}
